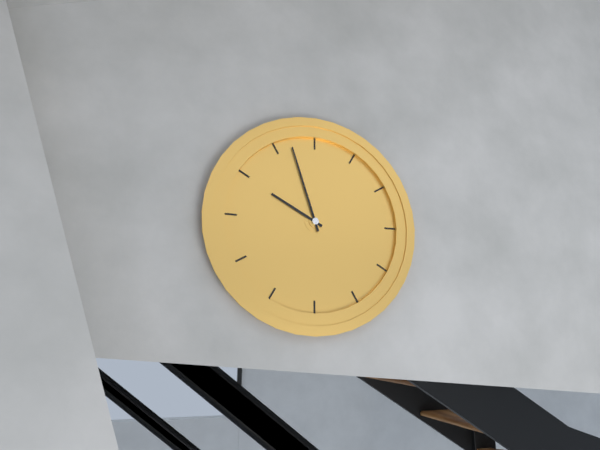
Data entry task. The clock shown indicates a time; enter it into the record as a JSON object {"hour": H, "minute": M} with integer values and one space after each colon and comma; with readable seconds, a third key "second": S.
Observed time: {"hour": 9, "minute": 57}
